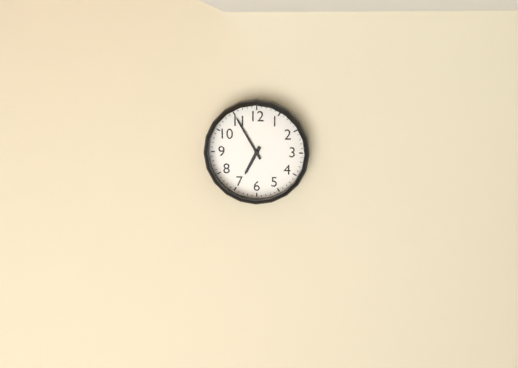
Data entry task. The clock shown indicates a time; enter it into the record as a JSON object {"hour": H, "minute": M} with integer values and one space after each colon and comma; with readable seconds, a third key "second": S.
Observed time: {"hour": 6, "minute": 55}
